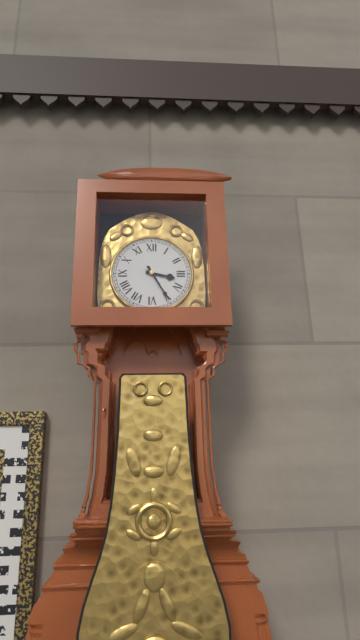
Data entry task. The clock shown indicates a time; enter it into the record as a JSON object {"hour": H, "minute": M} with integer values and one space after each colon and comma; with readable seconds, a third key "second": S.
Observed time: {"hour": 3, "minute": 25}
